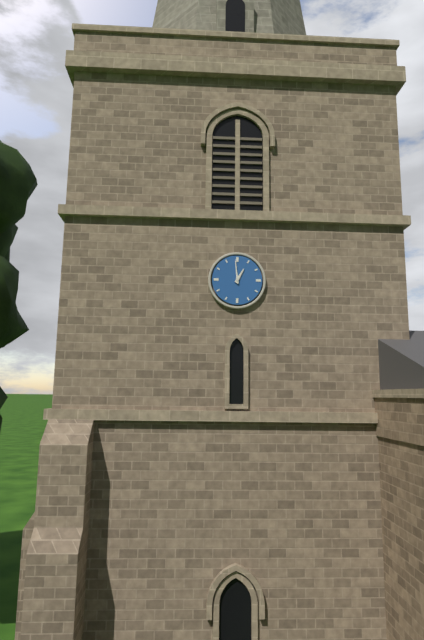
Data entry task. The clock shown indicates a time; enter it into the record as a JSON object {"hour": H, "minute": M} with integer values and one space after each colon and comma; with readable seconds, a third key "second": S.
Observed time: {"hour": 12, "minute": 59}
